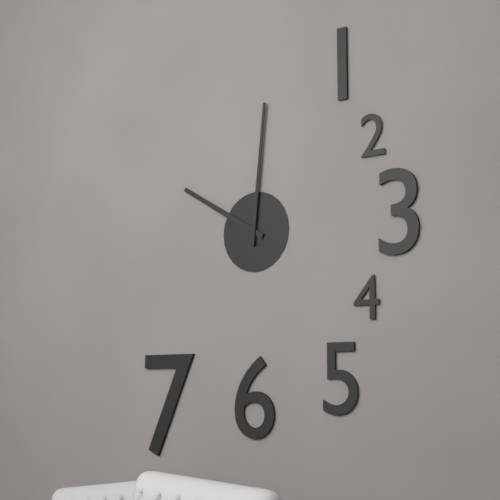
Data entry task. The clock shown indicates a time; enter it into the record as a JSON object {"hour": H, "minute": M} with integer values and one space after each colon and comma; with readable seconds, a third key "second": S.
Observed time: {"hour": 10, "minute": 1}
